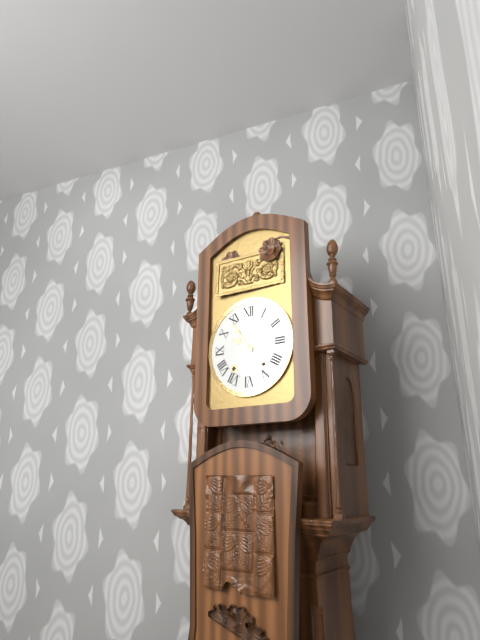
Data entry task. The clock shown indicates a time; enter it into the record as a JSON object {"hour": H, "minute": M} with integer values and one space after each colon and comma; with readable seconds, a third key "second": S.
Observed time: {"hour": 9, "minute": 54}
